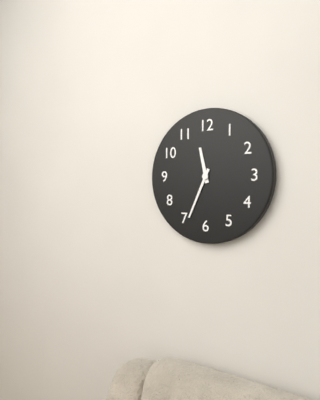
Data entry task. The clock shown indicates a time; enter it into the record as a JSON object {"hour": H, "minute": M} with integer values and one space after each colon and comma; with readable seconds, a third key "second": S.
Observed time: {"hour": 11, "minute": 34}
